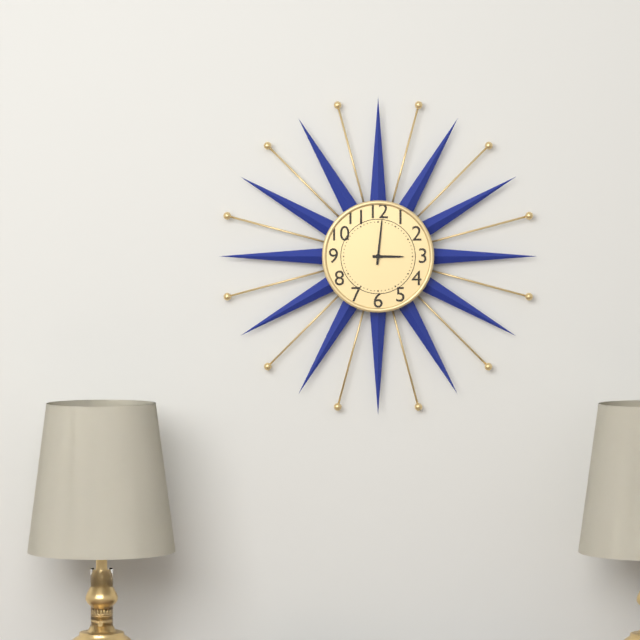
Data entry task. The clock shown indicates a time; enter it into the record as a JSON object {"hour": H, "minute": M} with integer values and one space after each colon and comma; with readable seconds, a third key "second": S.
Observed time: {"hour": 3, "minute": 1}
